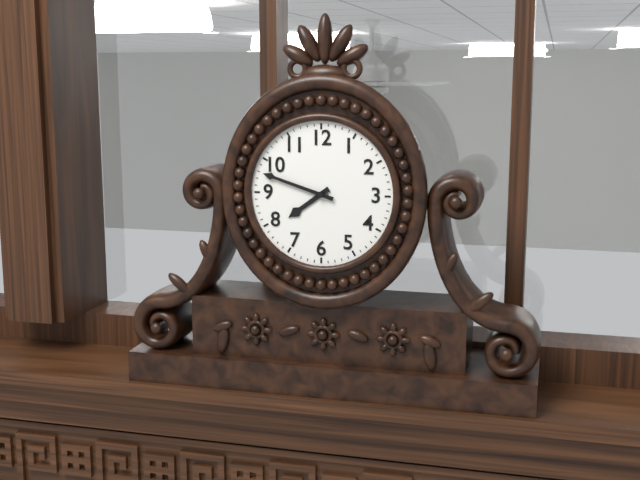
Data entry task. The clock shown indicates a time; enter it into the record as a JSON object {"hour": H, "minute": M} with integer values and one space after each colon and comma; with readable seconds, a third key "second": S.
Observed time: {"hour": 7, "minute": 48}
